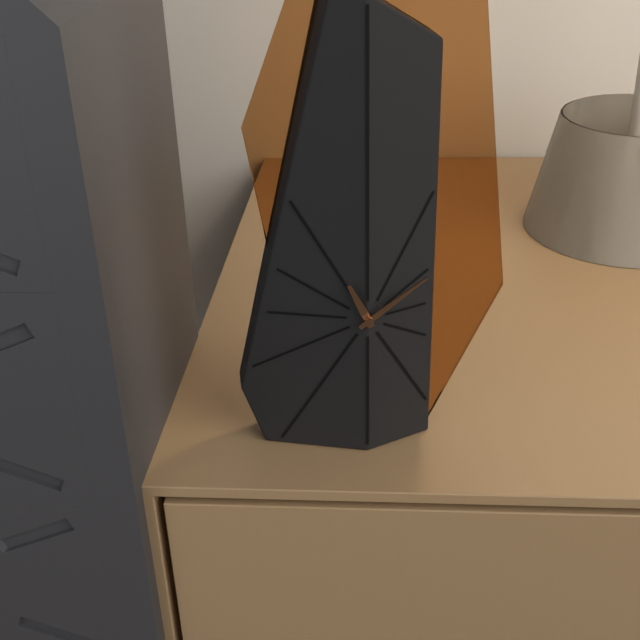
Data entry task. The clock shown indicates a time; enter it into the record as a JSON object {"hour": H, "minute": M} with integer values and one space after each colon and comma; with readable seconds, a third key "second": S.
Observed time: {"hour": 11, "minute": 9}
